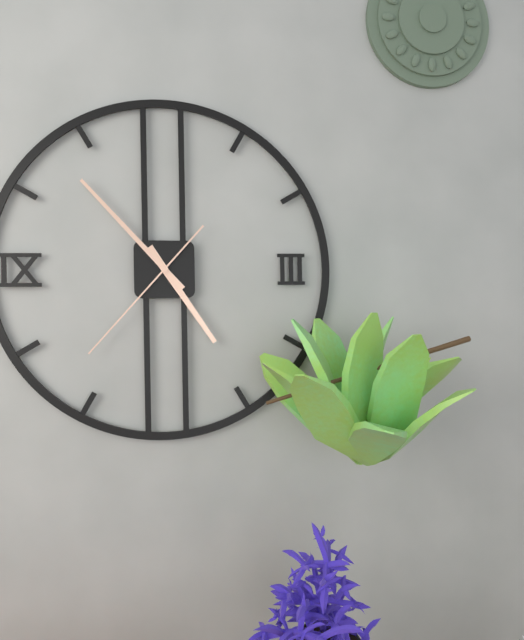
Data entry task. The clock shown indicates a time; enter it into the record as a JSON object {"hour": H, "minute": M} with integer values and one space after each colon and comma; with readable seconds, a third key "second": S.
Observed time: {"hour": 4, "minute": 53, "second": 37}
